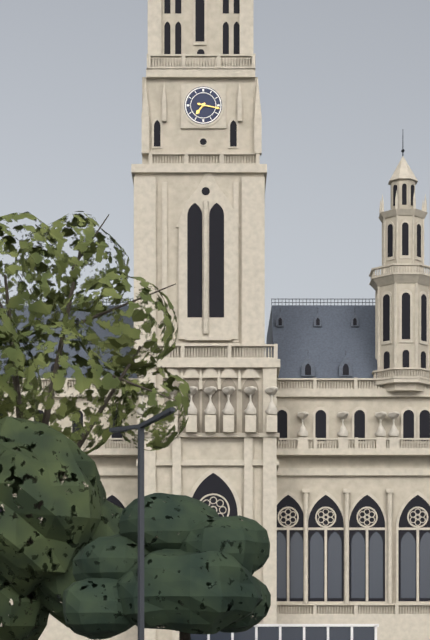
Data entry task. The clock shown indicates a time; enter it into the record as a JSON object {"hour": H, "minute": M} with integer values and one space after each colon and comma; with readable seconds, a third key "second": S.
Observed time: {"hour": 7, "minute": 17}
